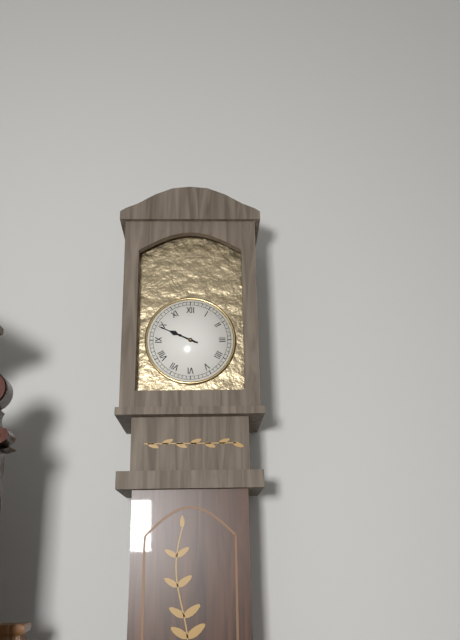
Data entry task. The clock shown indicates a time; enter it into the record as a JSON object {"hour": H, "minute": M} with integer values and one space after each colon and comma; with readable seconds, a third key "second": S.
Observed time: {"hour": 9, "minute": 49}
